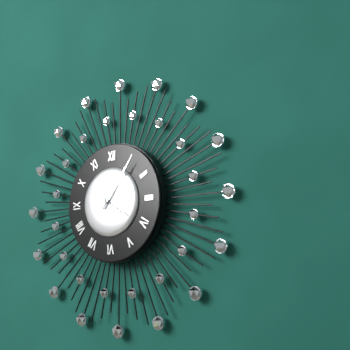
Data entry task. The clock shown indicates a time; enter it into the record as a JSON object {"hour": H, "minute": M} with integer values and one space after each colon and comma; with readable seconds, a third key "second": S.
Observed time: {"hour": 4, "minute": 6}
